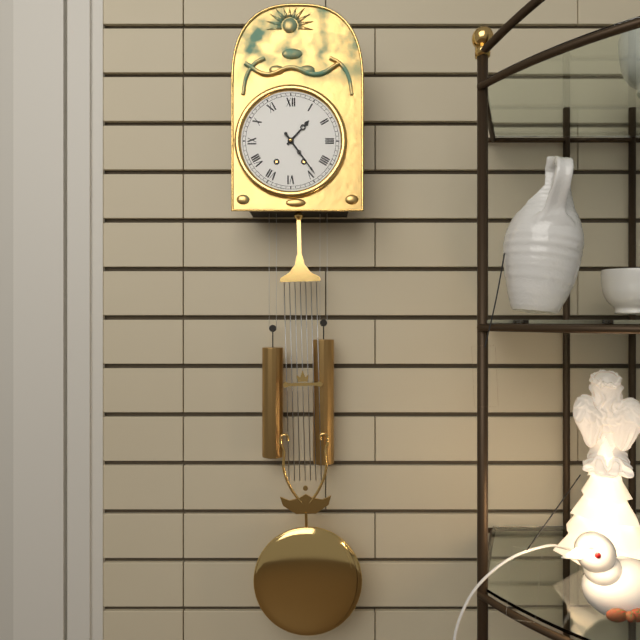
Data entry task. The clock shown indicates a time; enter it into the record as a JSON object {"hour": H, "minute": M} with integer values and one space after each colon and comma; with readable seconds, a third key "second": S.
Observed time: {"hour": 1, "minute": 24}
